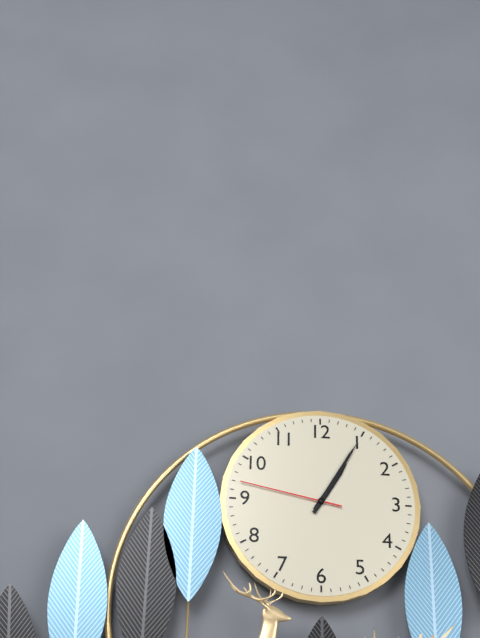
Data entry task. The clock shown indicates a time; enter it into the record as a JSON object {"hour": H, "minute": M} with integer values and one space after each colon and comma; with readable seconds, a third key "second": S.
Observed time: {"hour": 1, "minute": 5, "second": 47}
